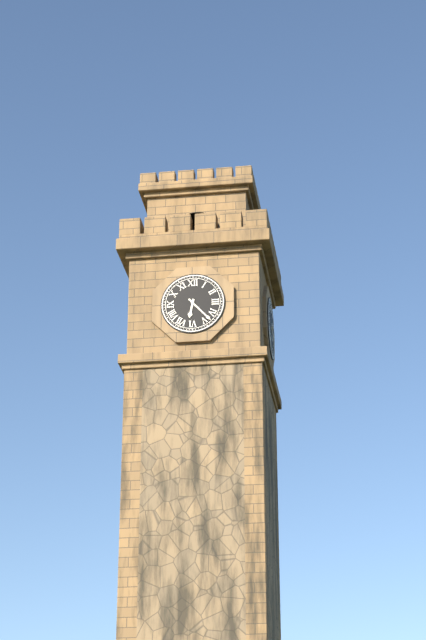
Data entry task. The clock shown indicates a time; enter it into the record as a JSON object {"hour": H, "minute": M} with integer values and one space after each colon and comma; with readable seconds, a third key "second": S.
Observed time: {"hour": 6, "minute": 23}
